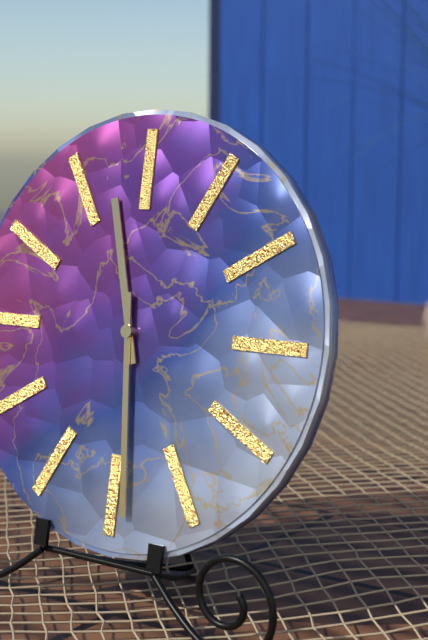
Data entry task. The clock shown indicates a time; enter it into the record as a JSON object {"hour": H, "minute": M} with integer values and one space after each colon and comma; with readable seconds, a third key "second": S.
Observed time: {"hour": 11, "minute": 29}
